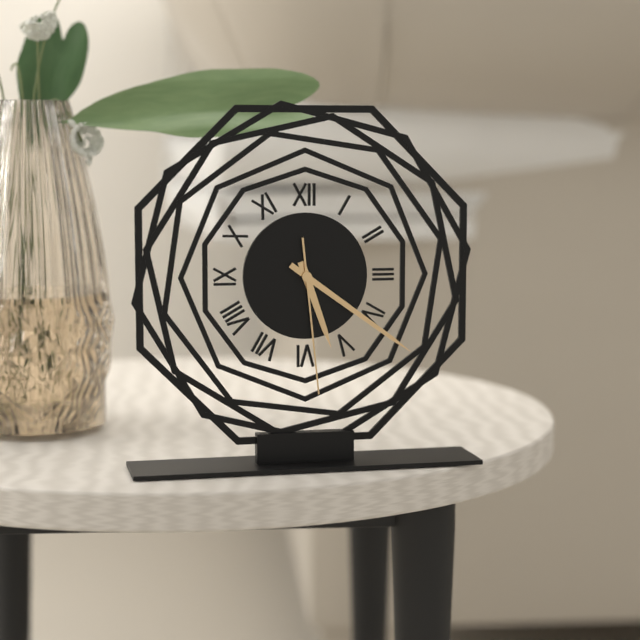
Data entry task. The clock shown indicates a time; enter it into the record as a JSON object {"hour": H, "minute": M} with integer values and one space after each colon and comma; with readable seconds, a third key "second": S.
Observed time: {"hour": 5, "minute": 21, "second": 29}
